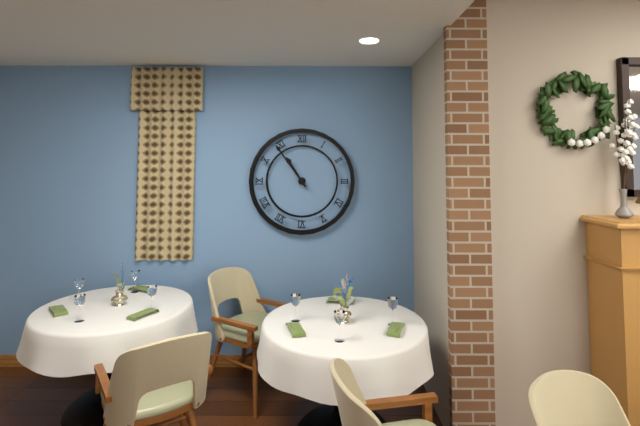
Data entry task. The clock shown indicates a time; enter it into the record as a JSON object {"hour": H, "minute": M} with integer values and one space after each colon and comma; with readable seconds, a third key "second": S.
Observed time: {"hour": 10, "minute": 54}
